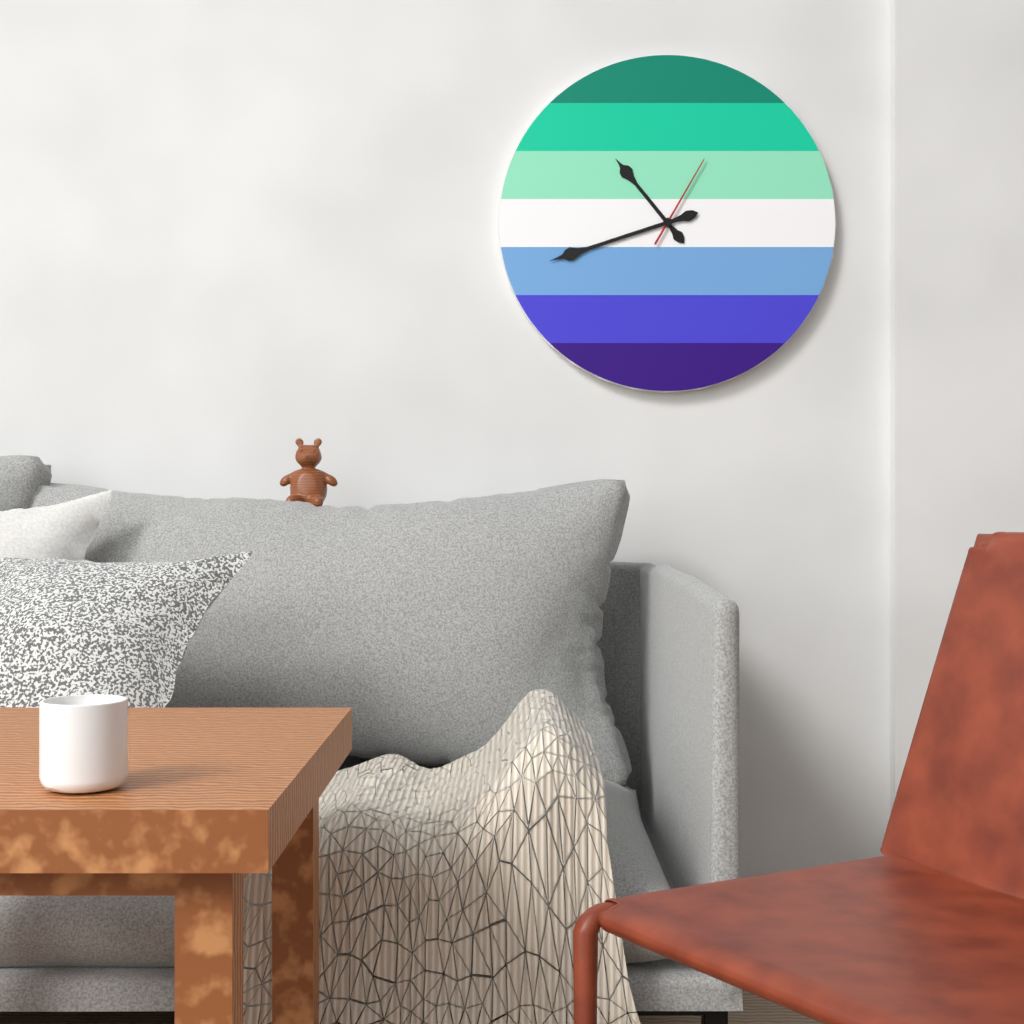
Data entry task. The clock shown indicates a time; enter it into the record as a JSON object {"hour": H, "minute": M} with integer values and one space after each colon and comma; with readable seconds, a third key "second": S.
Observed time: {"hour": 10, "minute": 42, "second": 5}
